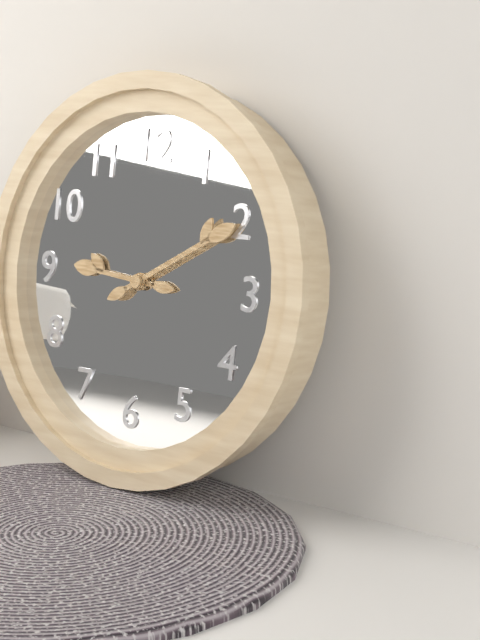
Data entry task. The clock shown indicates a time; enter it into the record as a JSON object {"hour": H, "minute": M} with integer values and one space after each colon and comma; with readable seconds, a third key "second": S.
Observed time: {"hour": 9, "minute": 10}
